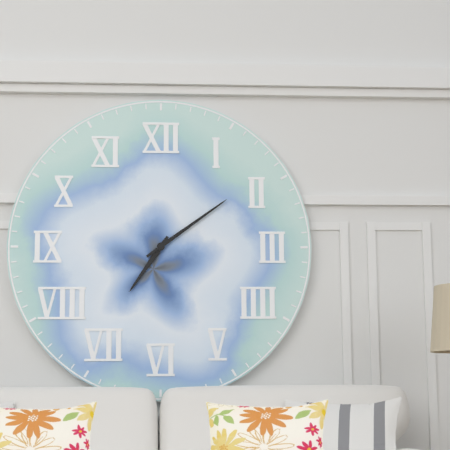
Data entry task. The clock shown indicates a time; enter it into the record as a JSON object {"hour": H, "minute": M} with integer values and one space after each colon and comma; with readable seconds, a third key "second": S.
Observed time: {"hour": 7, "minute": 9}
